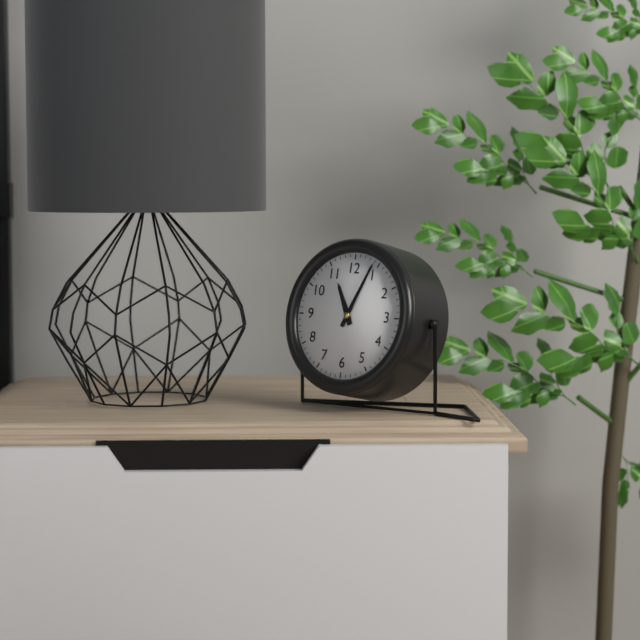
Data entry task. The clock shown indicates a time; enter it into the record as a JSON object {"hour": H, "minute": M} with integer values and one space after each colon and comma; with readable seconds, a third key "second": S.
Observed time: {"hour": 11, "minute": 4}
